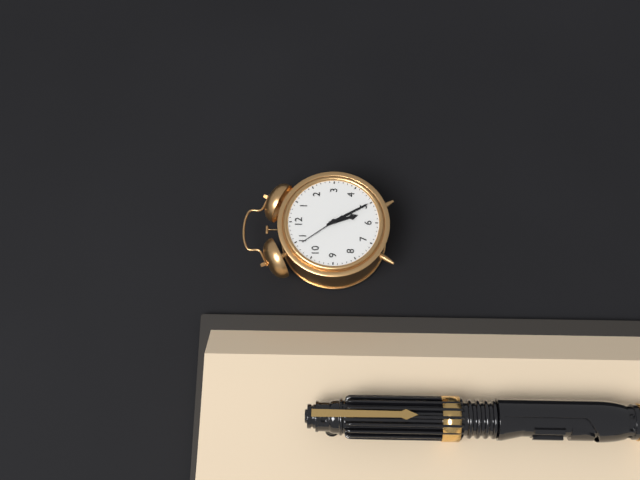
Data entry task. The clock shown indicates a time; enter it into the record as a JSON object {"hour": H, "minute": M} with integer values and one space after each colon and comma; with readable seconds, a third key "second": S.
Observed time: {"hour": 5, "minute": 25}
